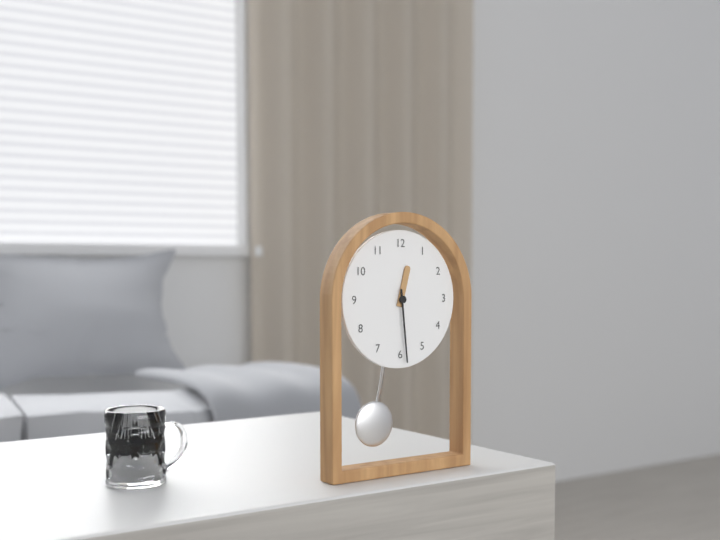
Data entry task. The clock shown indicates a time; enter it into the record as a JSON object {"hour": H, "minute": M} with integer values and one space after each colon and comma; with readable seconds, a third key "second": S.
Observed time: {"hour": 12, "minute": 29}
